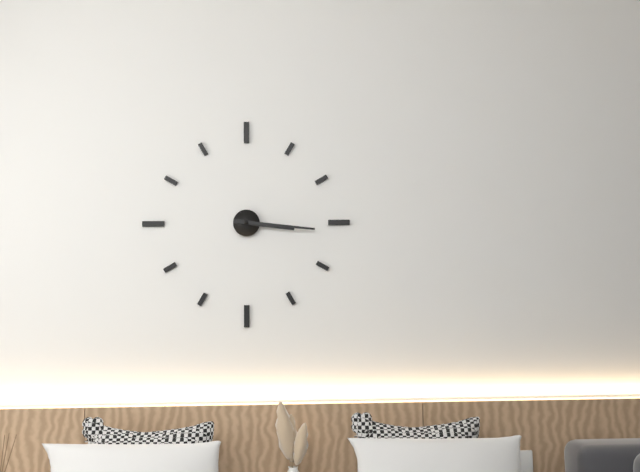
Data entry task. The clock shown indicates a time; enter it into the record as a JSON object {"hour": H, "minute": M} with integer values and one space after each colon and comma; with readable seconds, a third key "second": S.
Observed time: {"hour": 3, "minute": 16}
